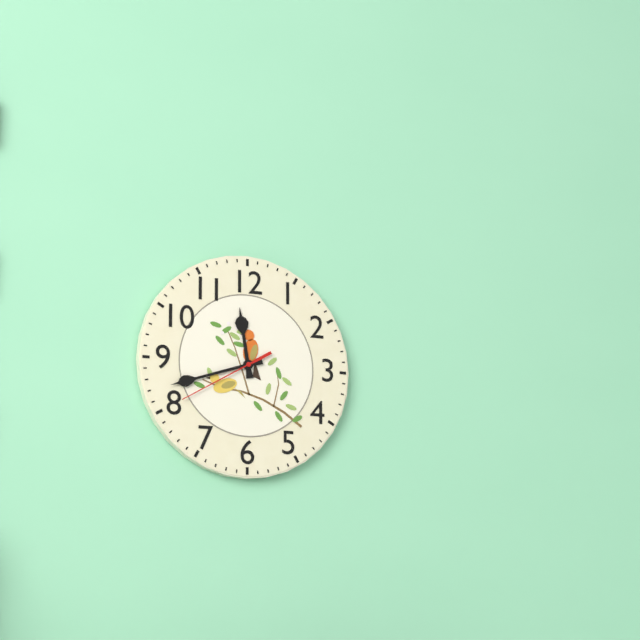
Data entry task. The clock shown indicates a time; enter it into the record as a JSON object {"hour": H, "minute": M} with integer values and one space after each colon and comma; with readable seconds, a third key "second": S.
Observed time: {"hour": 11, "minute": 42, "second": 40}
